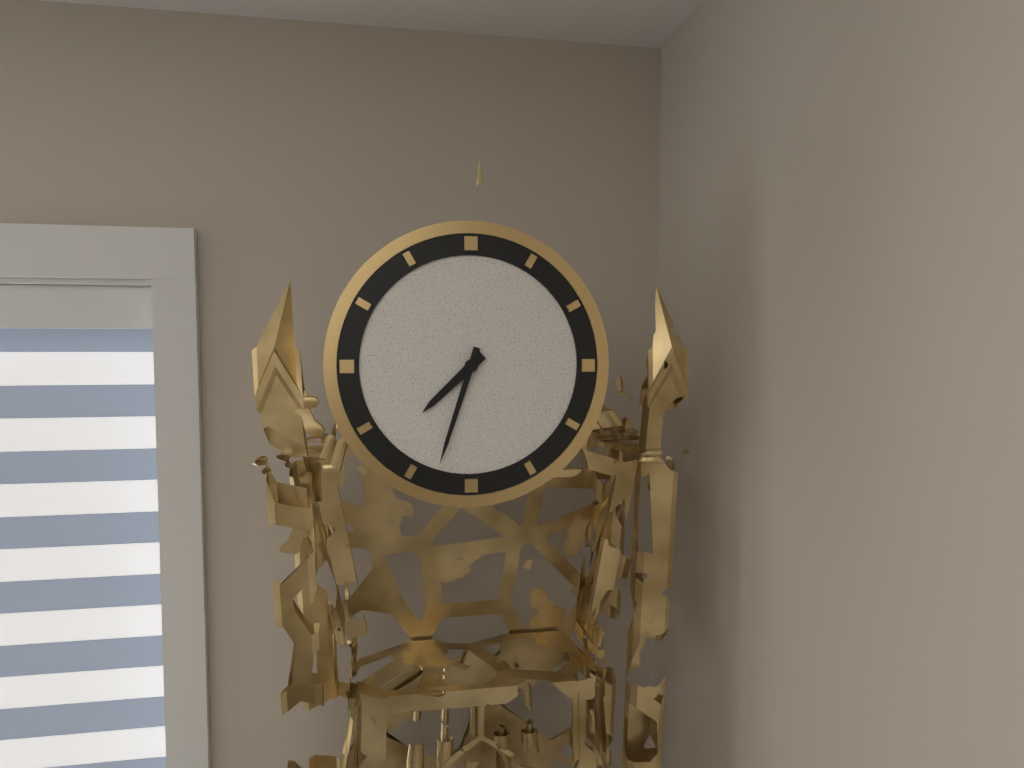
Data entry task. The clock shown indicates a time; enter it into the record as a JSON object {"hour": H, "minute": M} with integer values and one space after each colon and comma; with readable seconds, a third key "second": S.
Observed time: {"hour": 7, "minute": 33}
